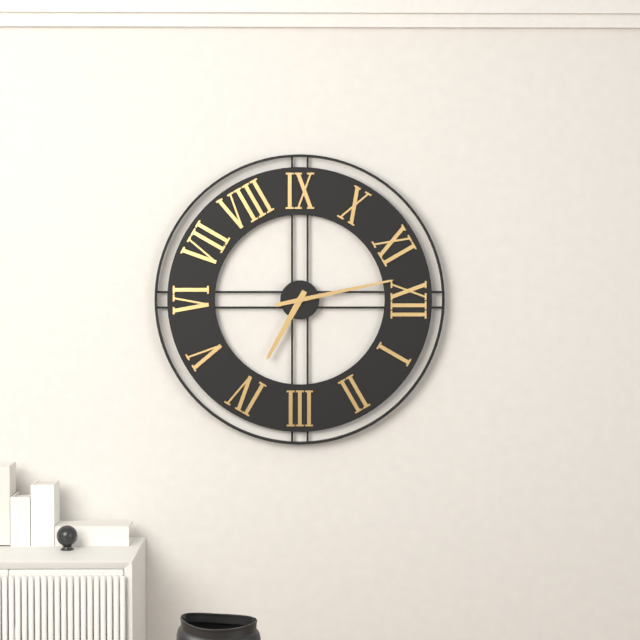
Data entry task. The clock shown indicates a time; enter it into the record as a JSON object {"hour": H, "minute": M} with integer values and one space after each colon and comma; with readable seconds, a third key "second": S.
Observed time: {"hour": 3, "minute": 58}
